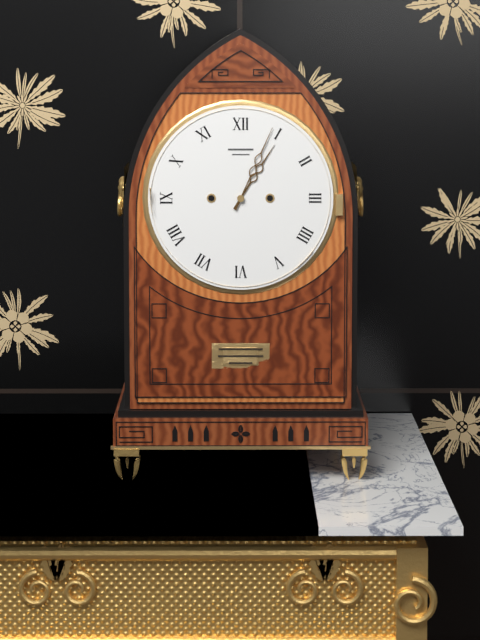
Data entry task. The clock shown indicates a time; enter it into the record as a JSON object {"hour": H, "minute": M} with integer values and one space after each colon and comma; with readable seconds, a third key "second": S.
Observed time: {"hour": 1, "minute": 4}
